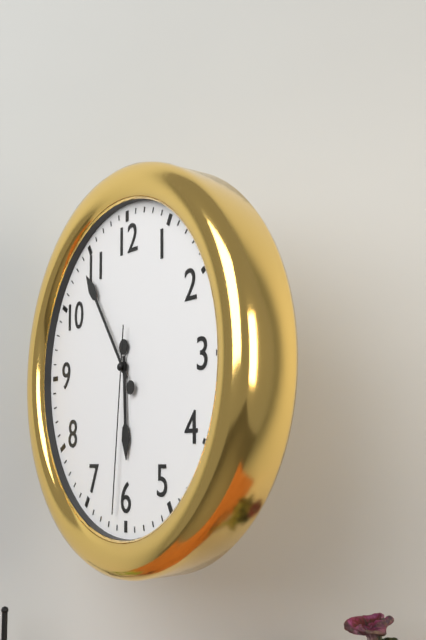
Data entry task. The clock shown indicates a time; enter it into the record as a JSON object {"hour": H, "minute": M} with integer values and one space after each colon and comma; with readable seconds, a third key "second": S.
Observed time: {"hour": 5, "minute": 54, "second": 31}
